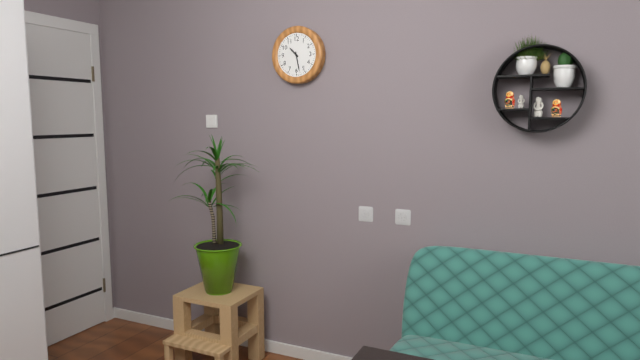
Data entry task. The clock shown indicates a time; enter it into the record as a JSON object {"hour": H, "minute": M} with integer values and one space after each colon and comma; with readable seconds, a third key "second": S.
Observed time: {"hour": 10, "minute": 28}
